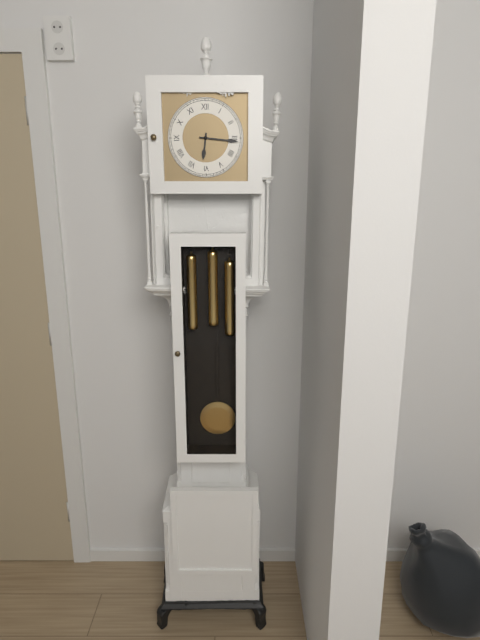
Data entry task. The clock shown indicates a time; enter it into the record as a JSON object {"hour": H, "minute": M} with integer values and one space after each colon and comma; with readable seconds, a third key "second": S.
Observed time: {"hour": 6, "minute": 16}
